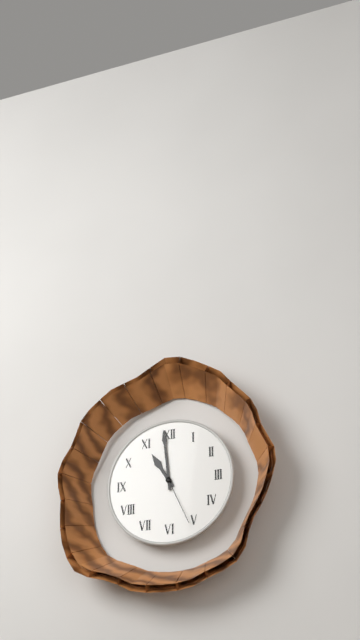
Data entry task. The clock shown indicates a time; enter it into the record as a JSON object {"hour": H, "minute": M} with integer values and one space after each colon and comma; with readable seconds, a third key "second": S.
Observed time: {"hour": 10, "minute": 59, "second": 26}
